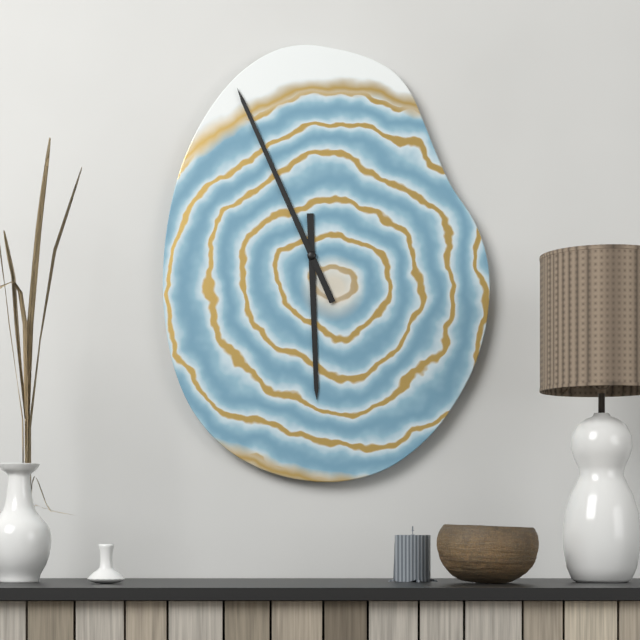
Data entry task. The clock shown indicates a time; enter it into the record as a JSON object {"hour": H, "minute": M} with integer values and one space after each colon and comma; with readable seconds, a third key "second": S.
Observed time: {"hour": 5, "minute": 56}
